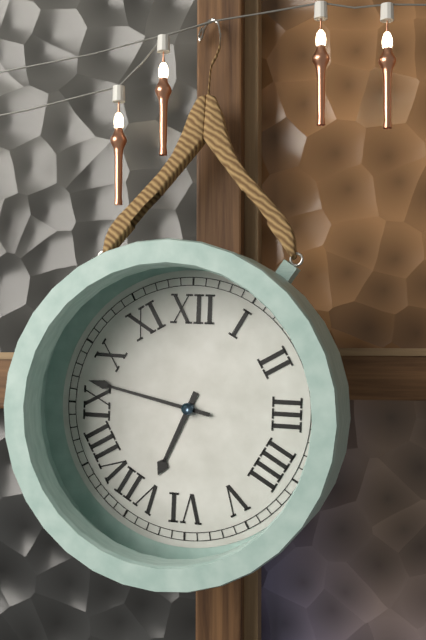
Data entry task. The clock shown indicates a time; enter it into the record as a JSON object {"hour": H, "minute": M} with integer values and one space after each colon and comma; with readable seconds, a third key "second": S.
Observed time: {"hour": 6, "minute": 47}
